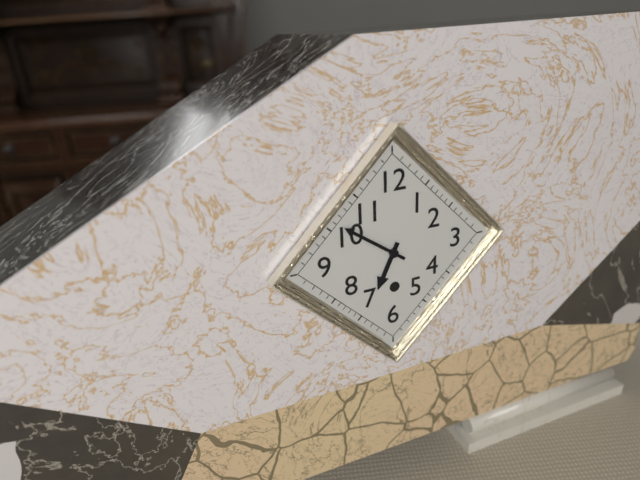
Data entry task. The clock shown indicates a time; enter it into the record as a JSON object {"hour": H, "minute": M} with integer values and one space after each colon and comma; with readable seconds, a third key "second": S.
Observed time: {"hour": 6, "minute": 51}
